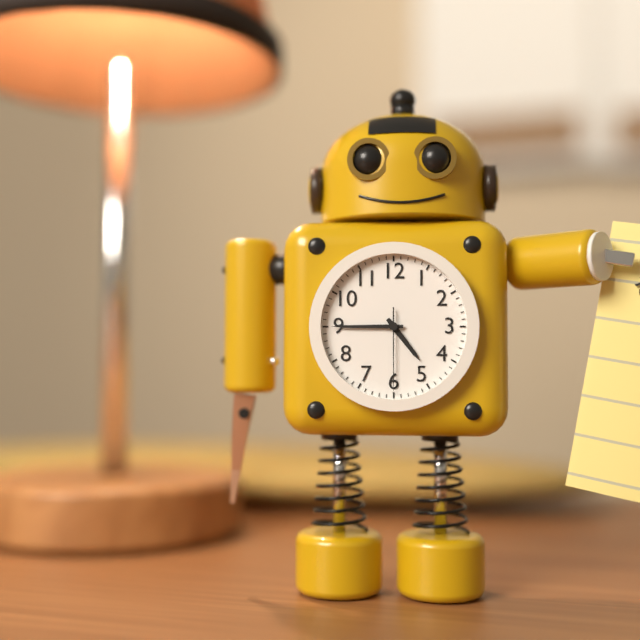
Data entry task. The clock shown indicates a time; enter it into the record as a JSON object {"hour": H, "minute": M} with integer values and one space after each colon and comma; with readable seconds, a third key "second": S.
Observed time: {"hour": 4, "minute": 45, "second": 30}
